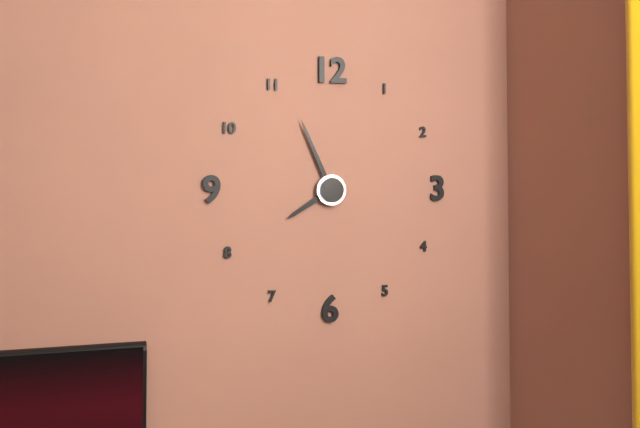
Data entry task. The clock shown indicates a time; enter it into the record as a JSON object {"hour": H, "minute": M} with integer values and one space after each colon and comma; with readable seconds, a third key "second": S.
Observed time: {"hour": 7, "minute": 56}
